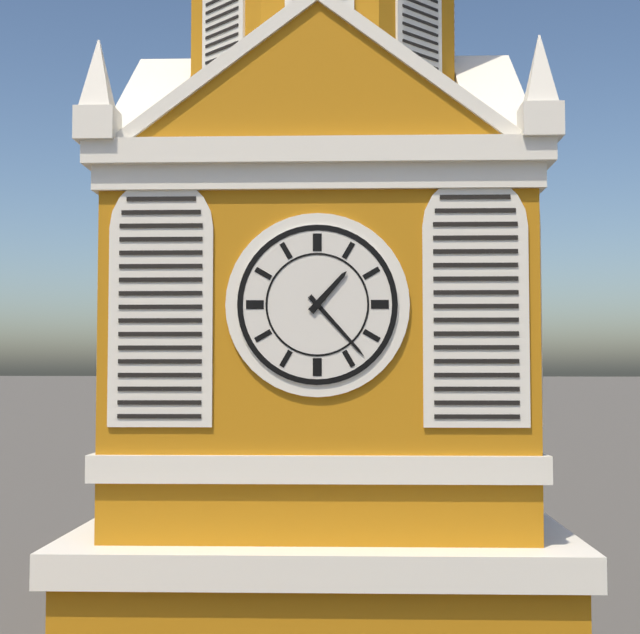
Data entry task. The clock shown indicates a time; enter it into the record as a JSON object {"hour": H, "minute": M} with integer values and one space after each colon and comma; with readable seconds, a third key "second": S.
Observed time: {"hour": 1, "minute": 23}
